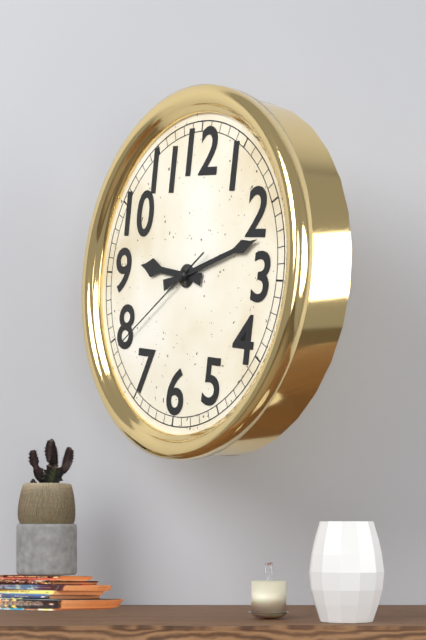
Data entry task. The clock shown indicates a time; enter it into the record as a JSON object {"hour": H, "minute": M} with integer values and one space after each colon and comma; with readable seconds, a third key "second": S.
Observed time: {"hour": 9, "minute": 12, "second": 39}
